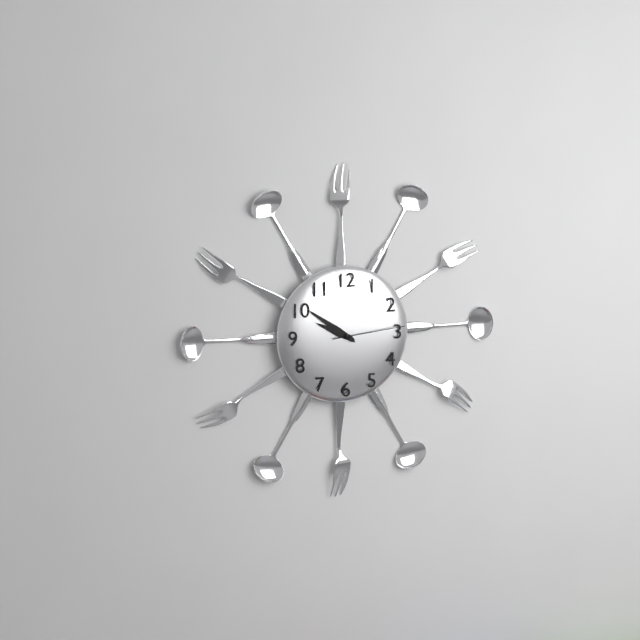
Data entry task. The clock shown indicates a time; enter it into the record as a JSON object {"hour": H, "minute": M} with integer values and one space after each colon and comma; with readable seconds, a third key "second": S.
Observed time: {"hour": 9, "minute": 51, "second": 14}
